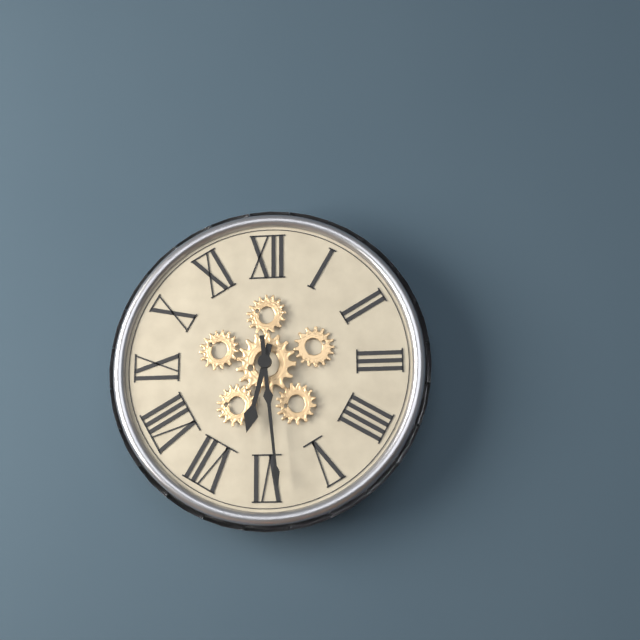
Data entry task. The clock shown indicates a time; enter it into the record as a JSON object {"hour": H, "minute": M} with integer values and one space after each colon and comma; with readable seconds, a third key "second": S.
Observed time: {"hour": 6, "minute": 29}
